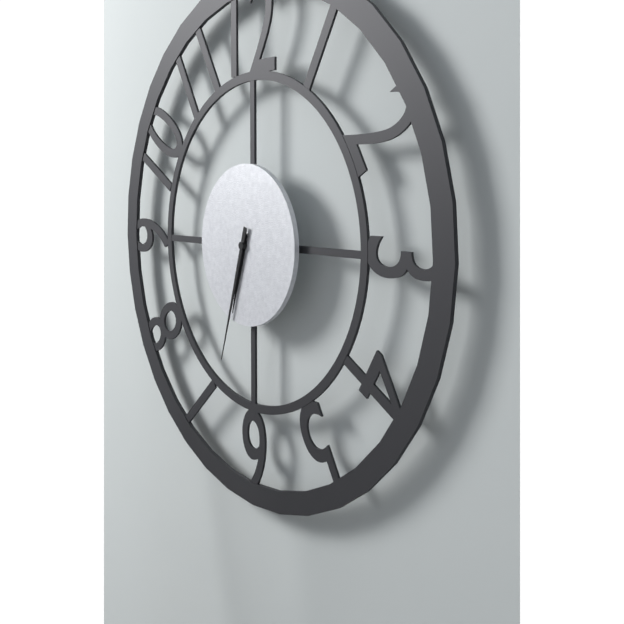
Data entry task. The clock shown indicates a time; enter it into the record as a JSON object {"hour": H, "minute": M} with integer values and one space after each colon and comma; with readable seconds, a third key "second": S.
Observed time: {"hour": 6, "minute": 33}
